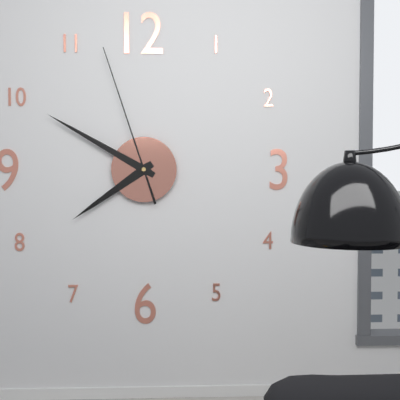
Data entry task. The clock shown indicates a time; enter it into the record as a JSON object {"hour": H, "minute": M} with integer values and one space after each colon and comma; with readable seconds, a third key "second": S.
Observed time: {"hour": 7, "minute": 50, "second": 57}
